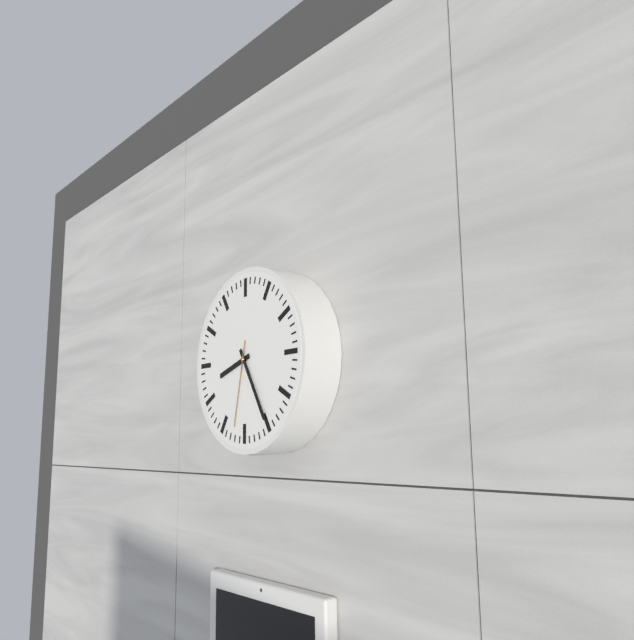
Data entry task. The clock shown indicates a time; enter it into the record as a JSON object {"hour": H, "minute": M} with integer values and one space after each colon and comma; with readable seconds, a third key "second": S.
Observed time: {"hour": 8, "minute": 25, "second": 32}
